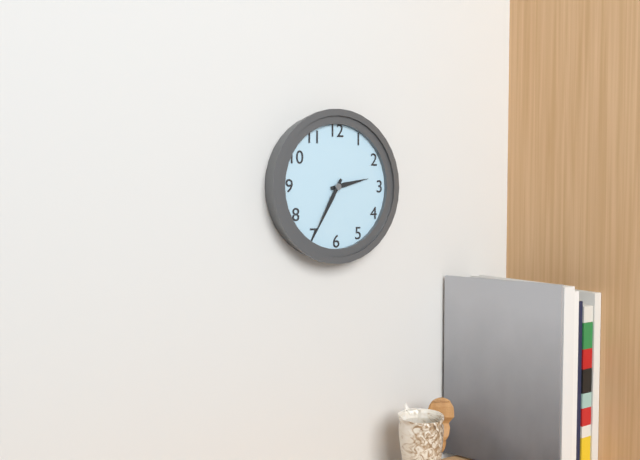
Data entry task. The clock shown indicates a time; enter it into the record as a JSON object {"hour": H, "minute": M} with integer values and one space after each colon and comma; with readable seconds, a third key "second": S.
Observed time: {"hour": 2, "minute": 35}
